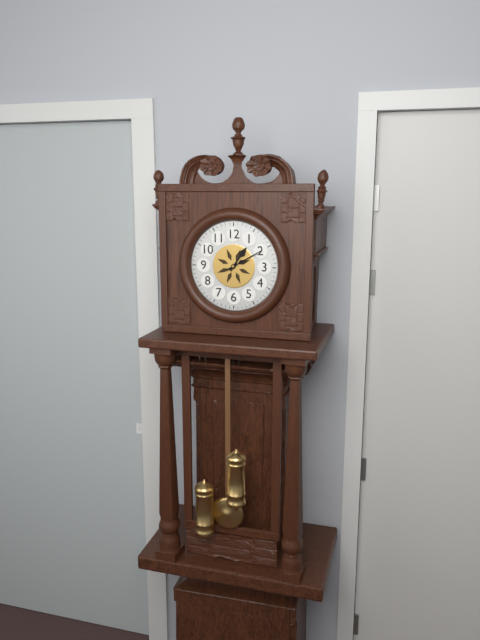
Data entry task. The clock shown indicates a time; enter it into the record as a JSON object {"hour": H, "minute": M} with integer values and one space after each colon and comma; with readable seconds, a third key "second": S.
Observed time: {"hour": 1, "minute": 10}
